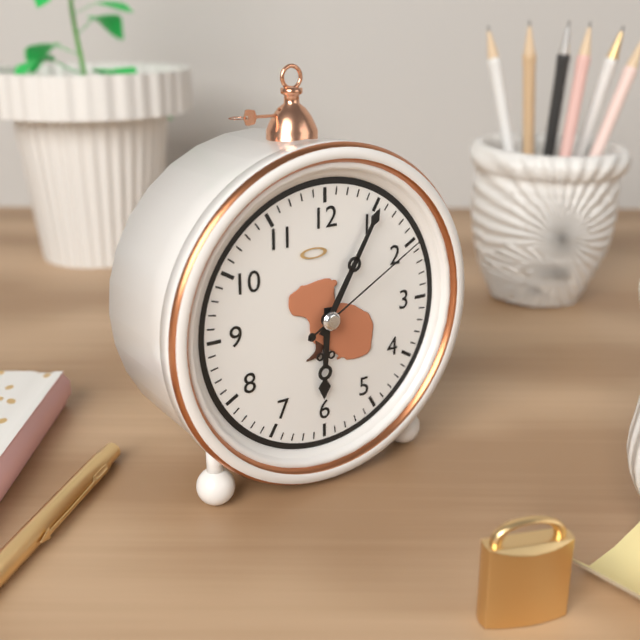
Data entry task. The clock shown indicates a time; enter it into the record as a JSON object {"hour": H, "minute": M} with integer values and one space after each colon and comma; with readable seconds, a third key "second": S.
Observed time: {"hour": 6, "minute": 5, "second": 10}
